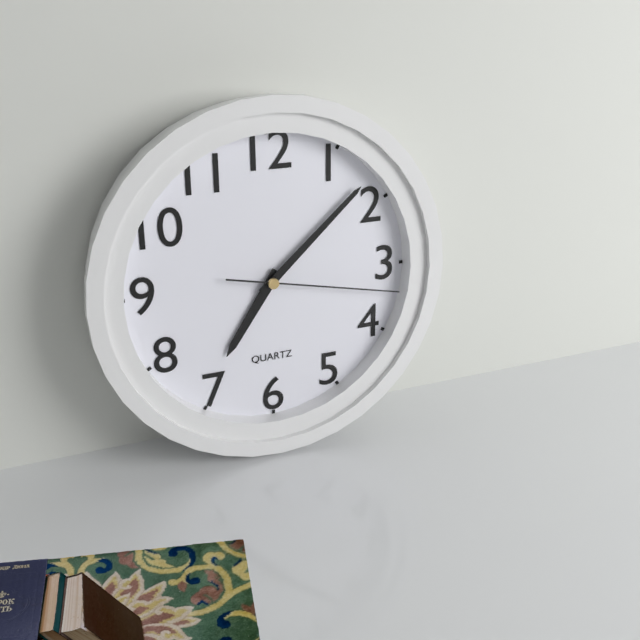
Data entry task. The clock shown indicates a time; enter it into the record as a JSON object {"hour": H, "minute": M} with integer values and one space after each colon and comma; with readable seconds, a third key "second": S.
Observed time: {"hour": 7, "minute": 8, "second": 17}
